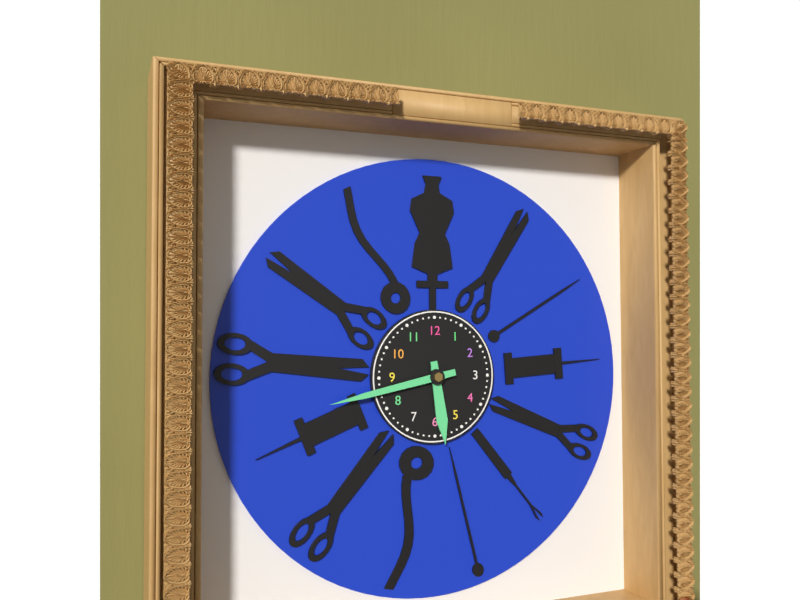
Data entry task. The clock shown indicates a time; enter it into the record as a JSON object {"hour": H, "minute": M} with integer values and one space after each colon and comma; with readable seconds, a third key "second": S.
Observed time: {"hour": 5, "minute": 43}
